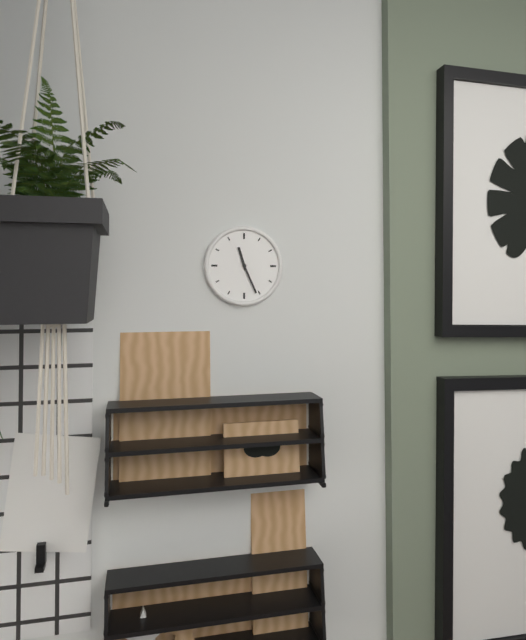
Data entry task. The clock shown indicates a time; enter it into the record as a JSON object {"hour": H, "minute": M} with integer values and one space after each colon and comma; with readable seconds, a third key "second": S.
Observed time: {"hour": 11, "minute": 26}
